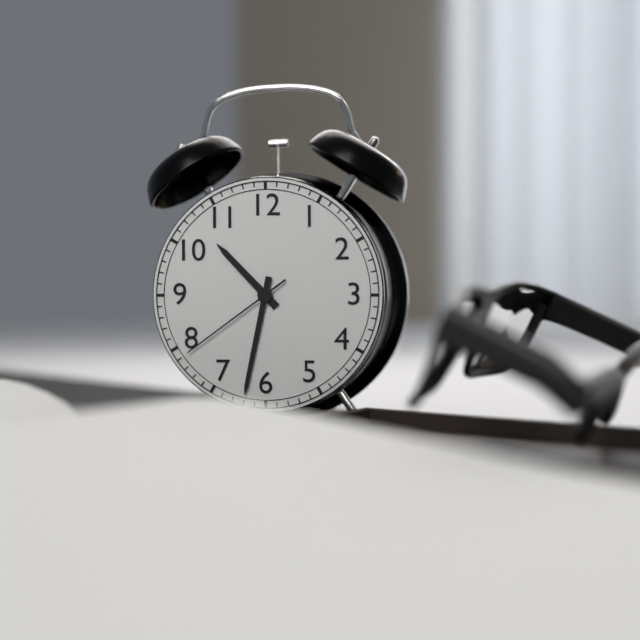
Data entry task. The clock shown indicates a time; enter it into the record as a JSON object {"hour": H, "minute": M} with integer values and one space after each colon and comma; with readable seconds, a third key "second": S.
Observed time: {"hour": 10, "minute": 32, "second": 39}
